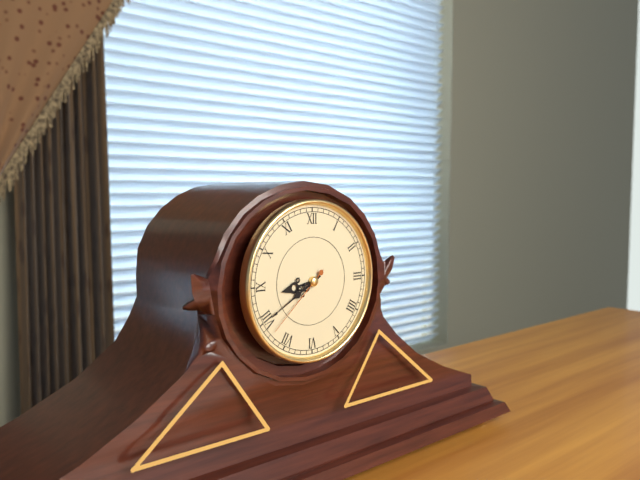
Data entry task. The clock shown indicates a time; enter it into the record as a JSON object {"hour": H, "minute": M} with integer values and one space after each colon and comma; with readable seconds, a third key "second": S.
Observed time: {"hour": 8, "minute": 40, "second": 38}
